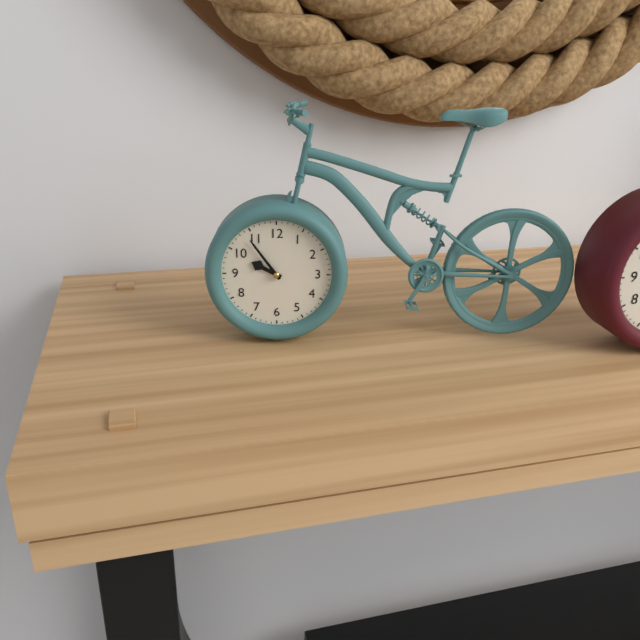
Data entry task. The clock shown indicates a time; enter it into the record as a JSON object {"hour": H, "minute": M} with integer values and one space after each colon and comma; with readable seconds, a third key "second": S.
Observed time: {"hour": 9, "minute": 54}
